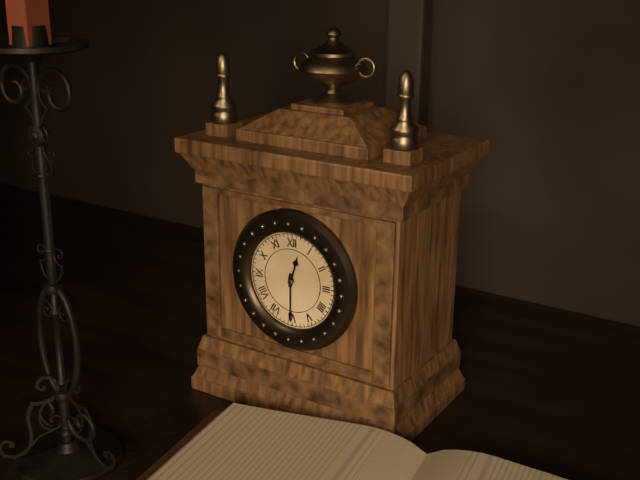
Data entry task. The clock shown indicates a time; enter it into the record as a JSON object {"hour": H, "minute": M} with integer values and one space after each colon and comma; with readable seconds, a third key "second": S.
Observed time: {"hour": 12, "minute": 30}
